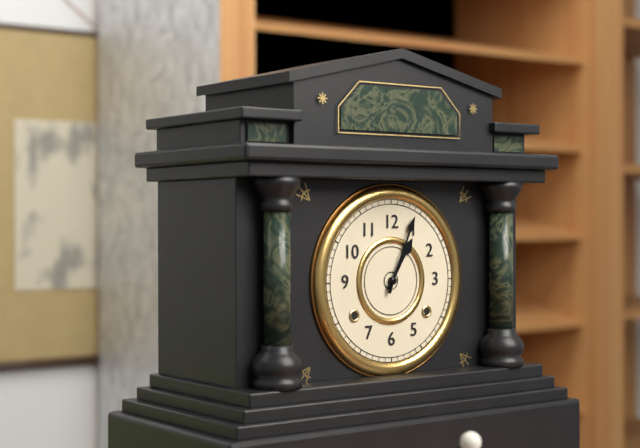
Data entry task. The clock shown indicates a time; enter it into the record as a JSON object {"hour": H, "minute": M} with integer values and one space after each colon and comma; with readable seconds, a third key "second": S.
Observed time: {"hour": 1, "minute": 4}
